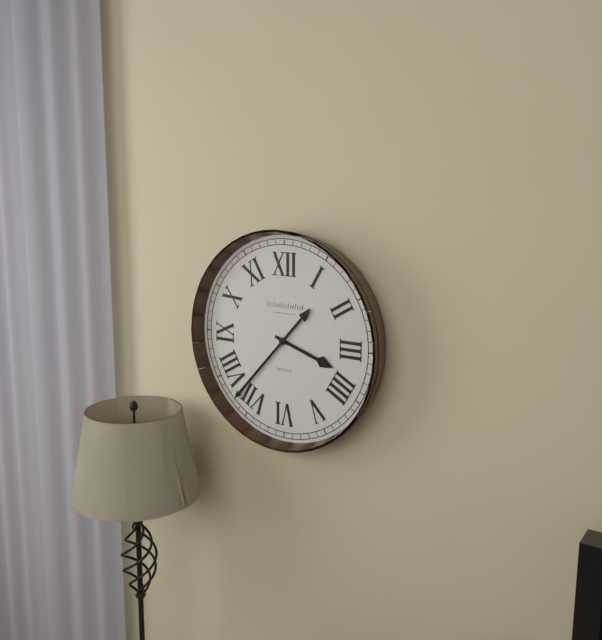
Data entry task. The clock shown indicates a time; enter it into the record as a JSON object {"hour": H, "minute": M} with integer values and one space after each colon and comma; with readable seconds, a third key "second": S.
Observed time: {"hour": 3, "minute": 37}
